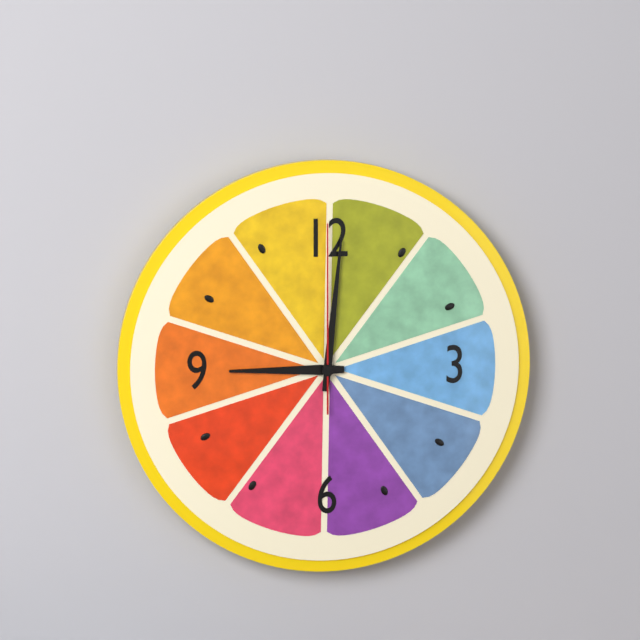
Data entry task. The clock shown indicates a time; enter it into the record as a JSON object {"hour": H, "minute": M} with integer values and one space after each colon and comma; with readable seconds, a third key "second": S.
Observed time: {"hour": 9, "minute": 1, "second": 0}
